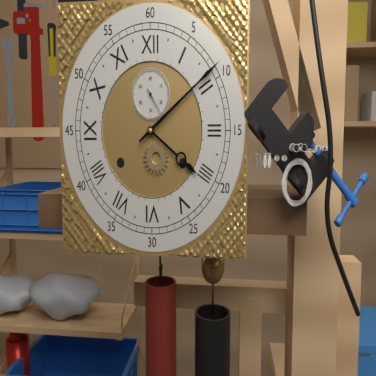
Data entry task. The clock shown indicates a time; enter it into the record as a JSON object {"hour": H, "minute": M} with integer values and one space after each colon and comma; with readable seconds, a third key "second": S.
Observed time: {"hour": 4, "minute": 9}
